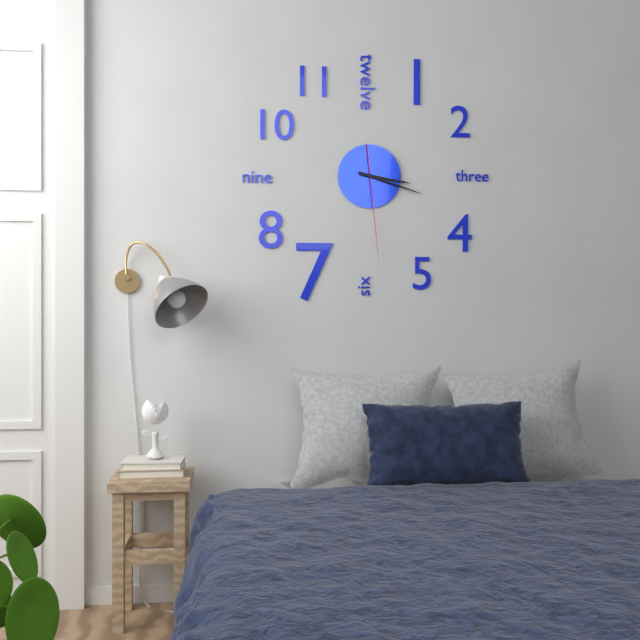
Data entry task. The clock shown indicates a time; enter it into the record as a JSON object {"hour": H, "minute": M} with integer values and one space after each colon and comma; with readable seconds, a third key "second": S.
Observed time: {"hour": 3, "minute": 18, "second": 29}
